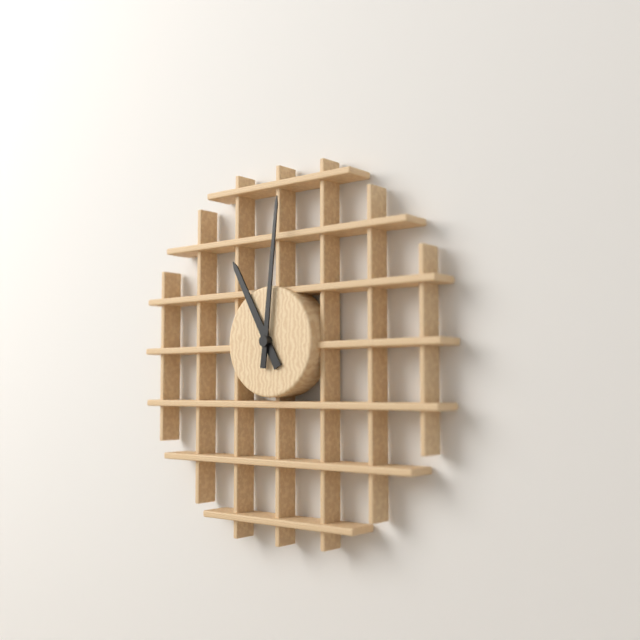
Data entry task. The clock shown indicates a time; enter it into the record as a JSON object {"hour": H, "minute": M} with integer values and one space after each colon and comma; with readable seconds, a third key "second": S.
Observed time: {"hour": 11, "minute": 1}
